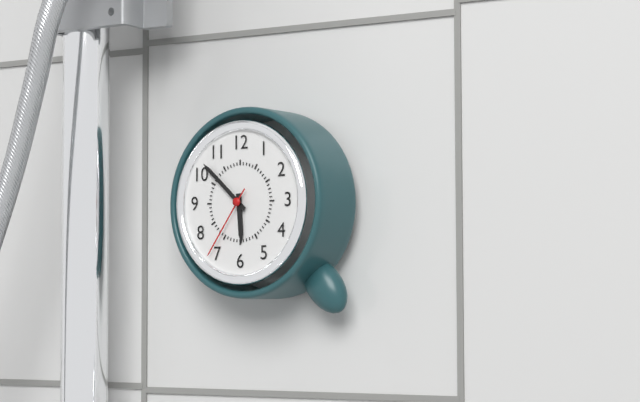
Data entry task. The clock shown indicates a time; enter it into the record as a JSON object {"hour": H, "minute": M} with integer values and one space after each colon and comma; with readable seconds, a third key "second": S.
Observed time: {"hour": 5, "minute": 52, "second": 36}
